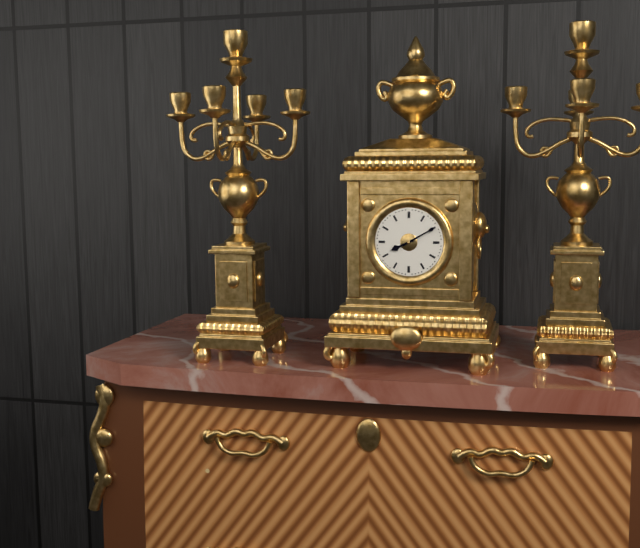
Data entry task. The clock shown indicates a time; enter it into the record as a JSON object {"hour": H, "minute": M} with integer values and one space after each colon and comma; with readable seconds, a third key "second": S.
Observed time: {"hour": 8, "minute": 10}
